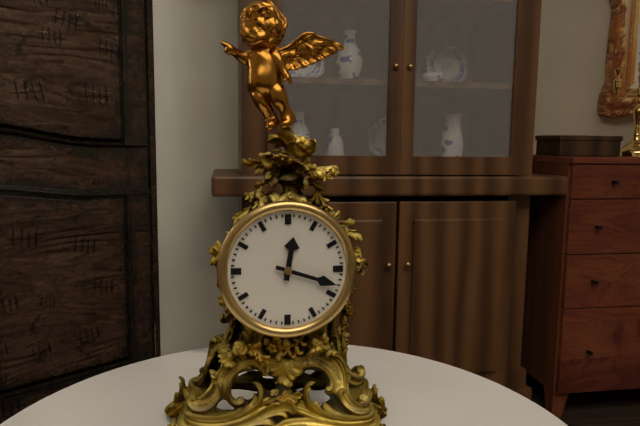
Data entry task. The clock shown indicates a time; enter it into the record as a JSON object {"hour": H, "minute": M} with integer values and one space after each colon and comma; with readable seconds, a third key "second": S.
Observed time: {"hour": 12, "minute": 18}
